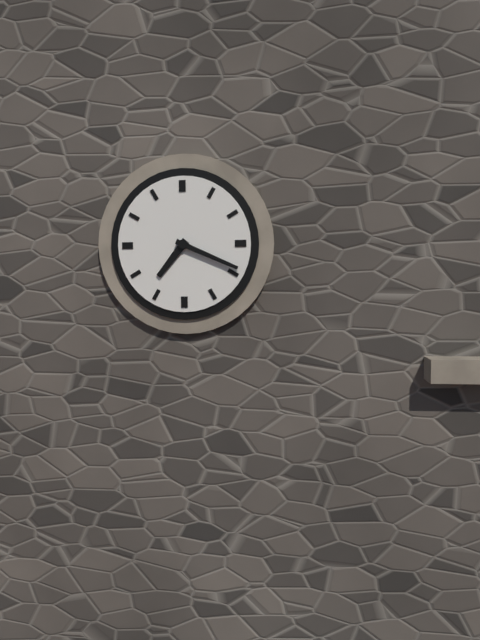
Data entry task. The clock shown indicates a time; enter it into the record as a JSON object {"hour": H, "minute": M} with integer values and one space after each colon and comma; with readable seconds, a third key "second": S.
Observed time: {"hour": 7, "minute": 19}
